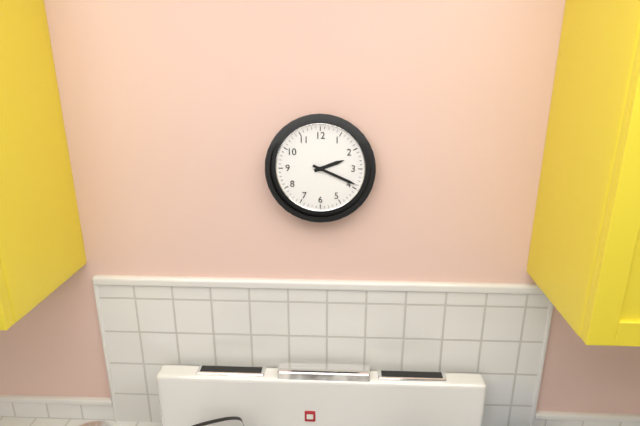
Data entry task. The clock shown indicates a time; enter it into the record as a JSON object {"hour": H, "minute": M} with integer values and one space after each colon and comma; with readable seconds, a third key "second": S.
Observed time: {"hour": 2, "minute": 19}
